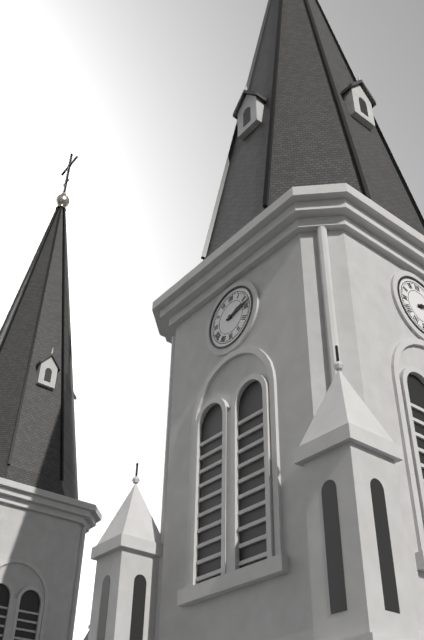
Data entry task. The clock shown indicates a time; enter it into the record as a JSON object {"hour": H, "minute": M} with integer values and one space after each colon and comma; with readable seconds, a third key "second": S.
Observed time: {"hour": 2, "minute": 13}
